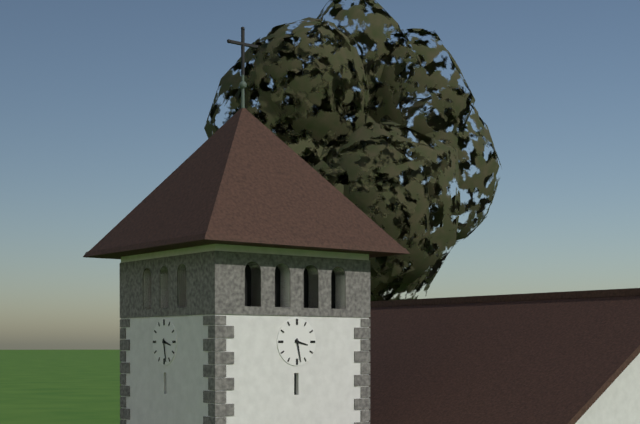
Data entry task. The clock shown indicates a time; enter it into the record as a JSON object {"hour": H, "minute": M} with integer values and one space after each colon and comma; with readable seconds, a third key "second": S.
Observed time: {"hour": 3, "minute": 28}
